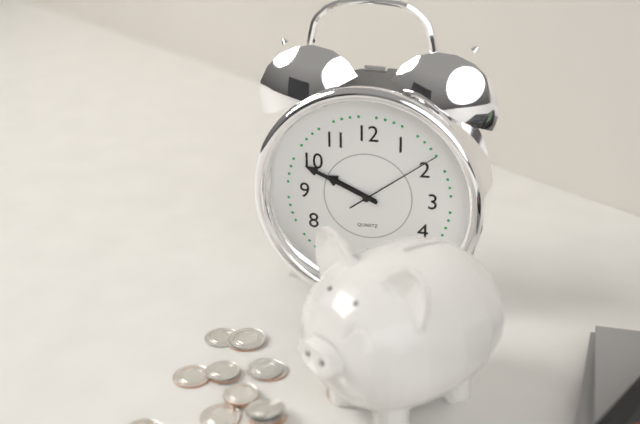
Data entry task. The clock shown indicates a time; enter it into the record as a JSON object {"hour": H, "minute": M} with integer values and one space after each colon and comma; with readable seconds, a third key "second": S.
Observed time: {"hour": 9, "minute": 49, "second": 9}
